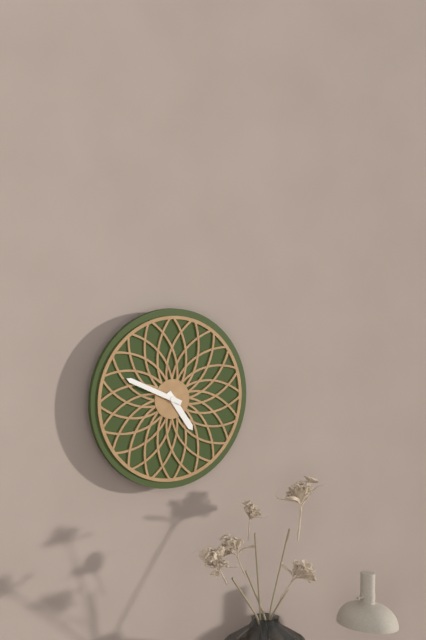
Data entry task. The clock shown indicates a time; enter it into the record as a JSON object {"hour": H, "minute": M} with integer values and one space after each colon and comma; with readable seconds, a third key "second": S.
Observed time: {"hour": 4, "minute": 49}
